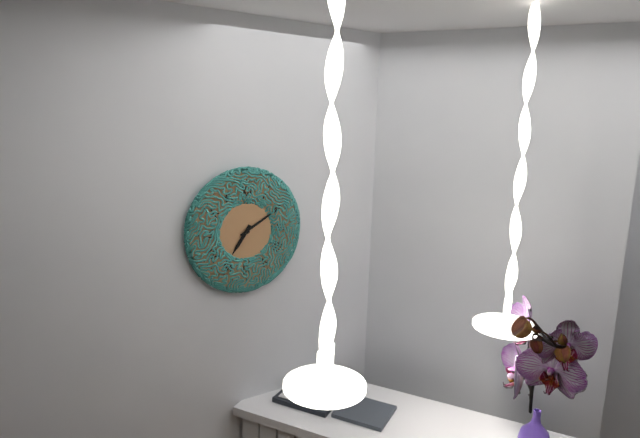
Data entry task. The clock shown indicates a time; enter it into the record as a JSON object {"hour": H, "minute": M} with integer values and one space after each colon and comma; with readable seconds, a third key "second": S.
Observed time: {"hour": 7, "minute": 10}
